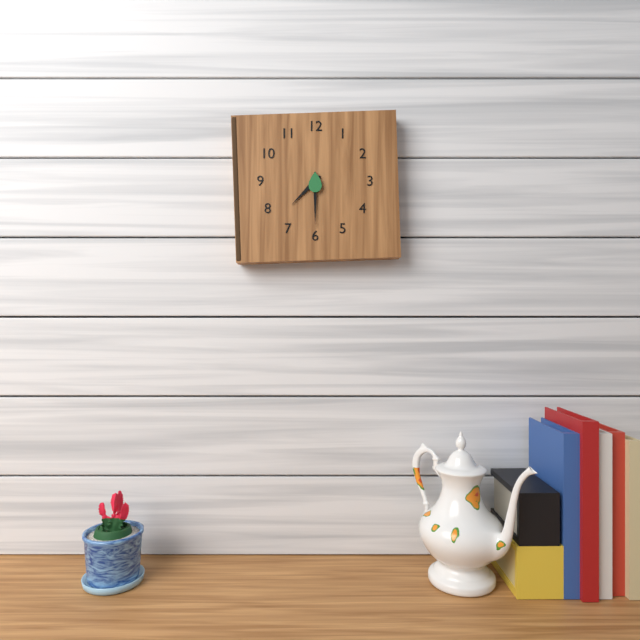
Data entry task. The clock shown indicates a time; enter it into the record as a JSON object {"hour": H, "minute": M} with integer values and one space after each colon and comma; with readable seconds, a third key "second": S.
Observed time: {"hour": 7, "minute": 30}
